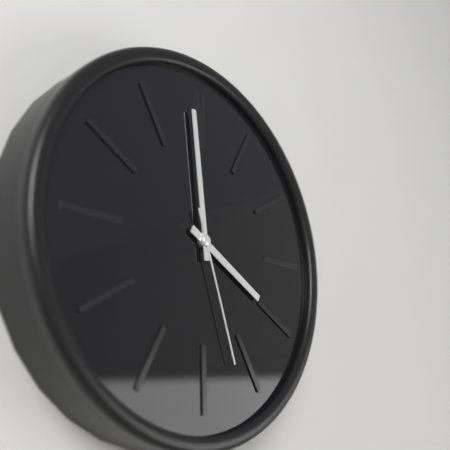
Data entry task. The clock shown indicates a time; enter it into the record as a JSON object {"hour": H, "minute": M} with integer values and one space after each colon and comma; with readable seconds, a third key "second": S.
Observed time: {"hour": 3, "minute": 59, "second": 27}
